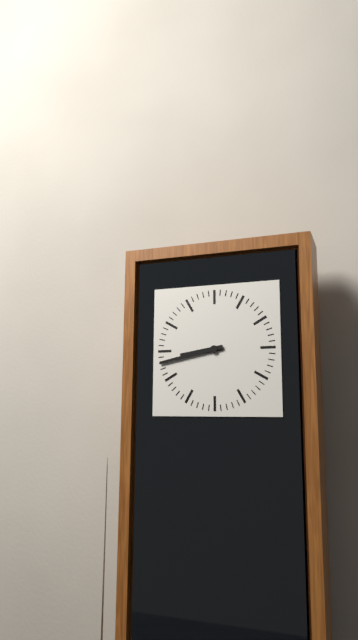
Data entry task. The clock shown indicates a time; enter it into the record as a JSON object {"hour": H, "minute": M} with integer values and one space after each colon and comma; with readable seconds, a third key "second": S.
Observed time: {"hour": 8, "minute": 43}
